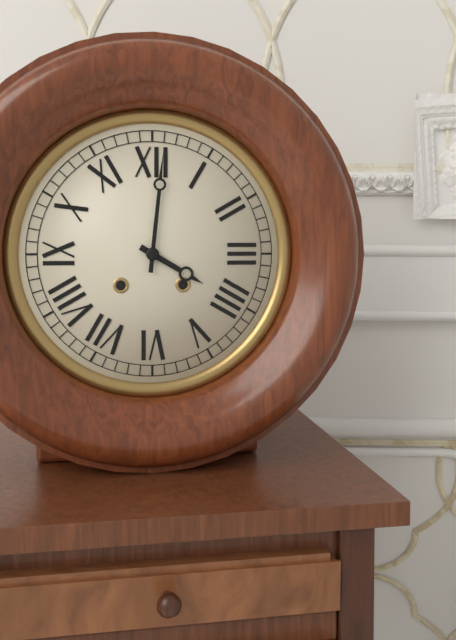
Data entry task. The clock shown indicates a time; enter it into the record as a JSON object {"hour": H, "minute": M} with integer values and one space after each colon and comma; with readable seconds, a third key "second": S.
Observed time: {"hour": 4, "minute": 1}
